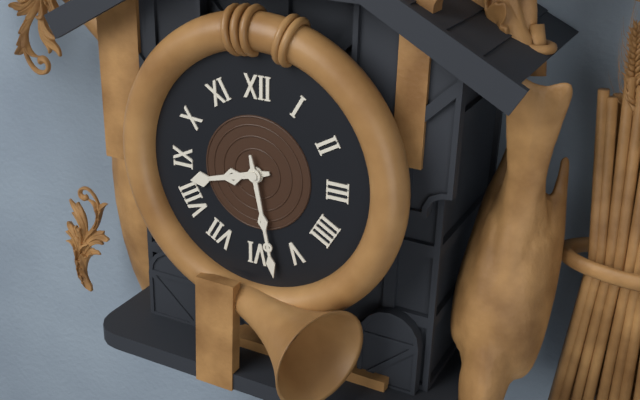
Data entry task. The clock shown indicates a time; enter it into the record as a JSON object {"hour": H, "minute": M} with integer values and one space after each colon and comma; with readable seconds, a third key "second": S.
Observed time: {"hour": 8, "minute": 28}
